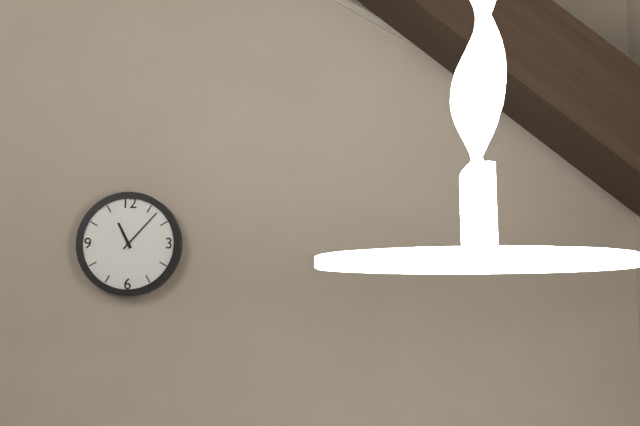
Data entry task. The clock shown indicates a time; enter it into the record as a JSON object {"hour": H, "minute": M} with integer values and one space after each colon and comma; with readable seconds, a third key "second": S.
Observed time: {"hour": 11, "minute": 7}
